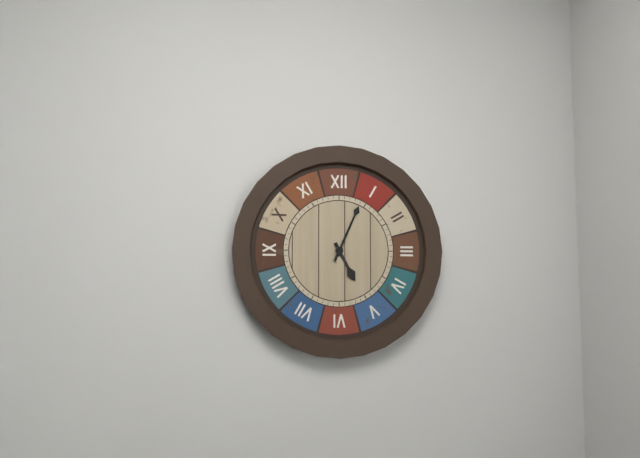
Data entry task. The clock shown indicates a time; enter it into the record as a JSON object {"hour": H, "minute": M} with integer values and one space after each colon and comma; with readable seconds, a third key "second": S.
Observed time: {"hour": 5, "minute": 4}
